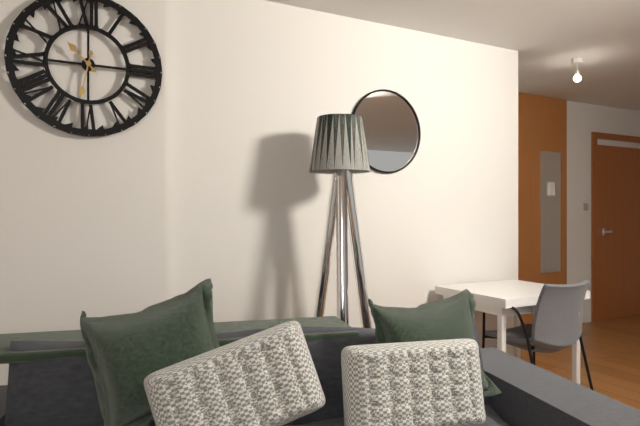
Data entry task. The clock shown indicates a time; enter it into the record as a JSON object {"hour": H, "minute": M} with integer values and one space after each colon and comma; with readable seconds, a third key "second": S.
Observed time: {"hour": 10, "minute": 32}
